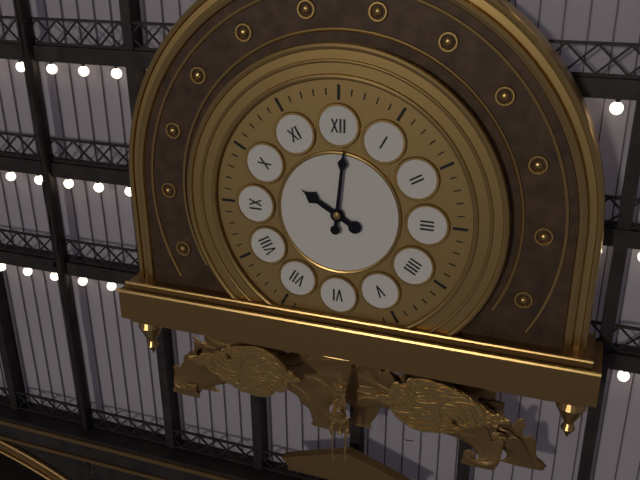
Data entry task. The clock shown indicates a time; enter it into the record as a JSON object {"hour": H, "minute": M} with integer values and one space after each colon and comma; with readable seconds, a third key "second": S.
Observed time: {"hour": 10, "minute": 1}
